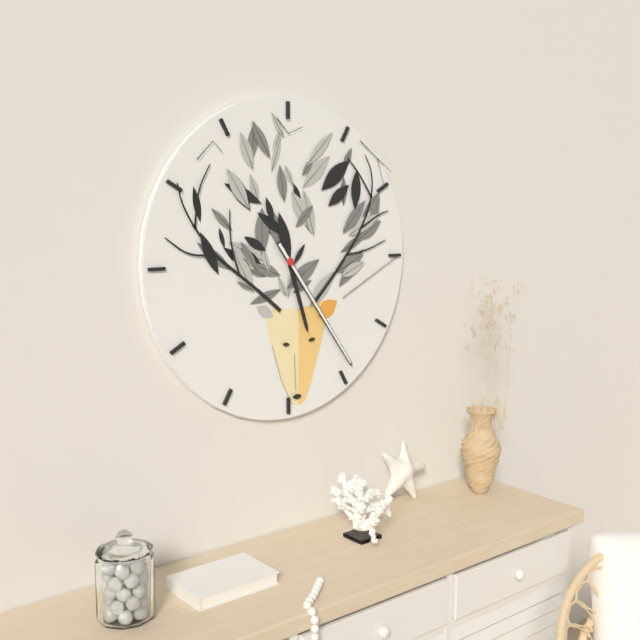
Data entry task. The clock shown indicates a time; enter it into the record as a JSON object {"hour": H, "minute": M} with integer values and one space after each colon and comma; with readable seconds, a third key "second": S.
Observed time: {"hour": 5, "minute": 24}
